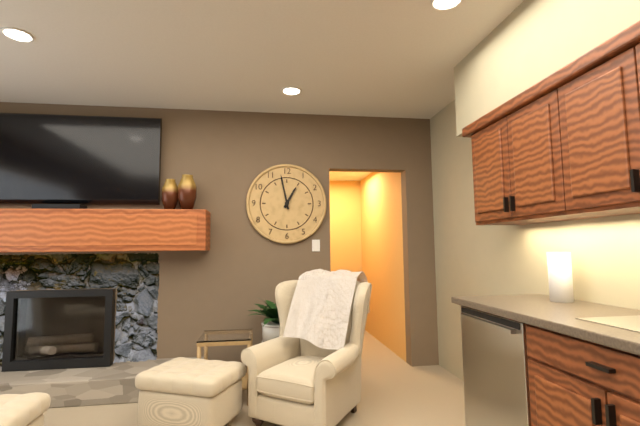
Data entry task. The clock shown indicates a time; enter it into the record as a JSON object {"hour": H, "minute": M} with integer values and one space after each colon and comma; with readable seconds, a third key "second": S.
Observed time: {"hour": 12, "minute": 58}
